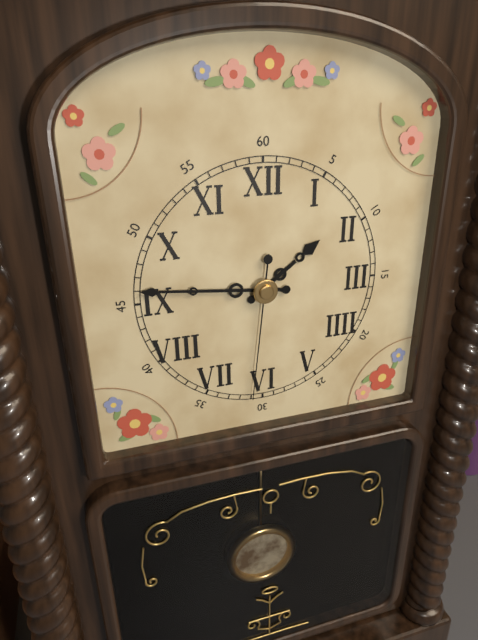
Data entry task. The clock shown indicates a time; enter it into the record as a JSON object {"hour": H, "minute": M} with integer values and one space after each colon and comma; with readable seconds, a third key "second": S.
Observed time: {"hour": 1, "minute": 46, "second": 31}
